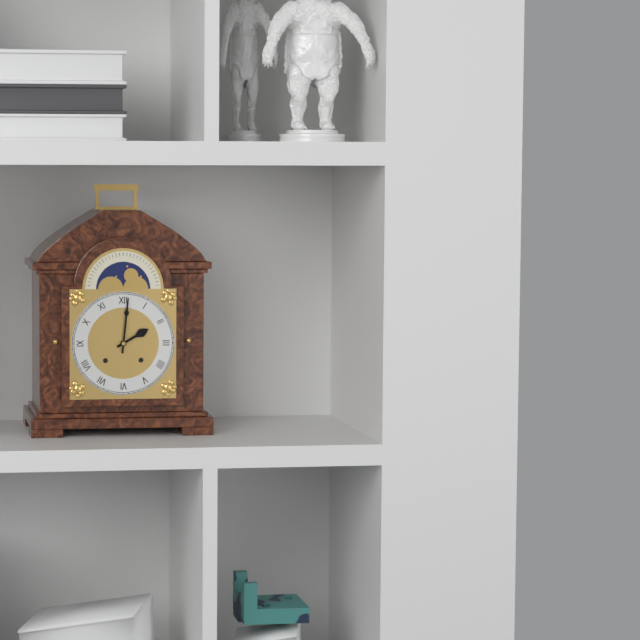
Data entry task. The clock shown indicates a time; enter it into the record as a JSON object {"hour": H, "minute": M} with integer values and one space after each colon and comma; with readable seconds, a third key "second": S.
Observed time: {"hour": 2, "minute": 1}
